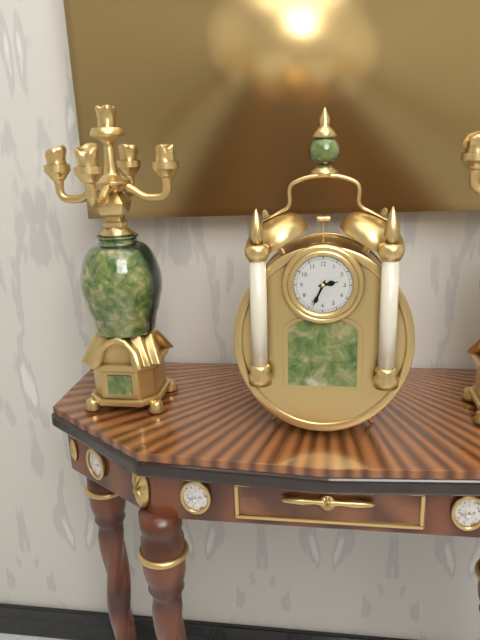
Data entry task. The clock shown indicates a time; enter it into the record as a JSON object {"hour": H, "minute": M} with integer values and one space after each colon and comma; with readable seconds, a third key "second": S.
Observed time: {"hour": 2, "minute": 34}
